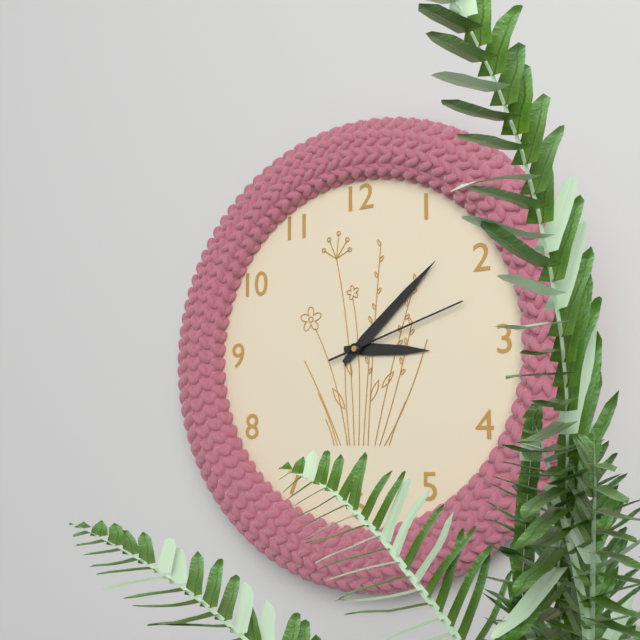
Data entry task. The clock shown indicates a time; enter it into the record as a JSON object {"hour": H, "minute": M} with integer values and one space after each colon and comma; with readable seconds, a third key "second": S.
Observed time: {"hour": 3, "minute": 8, "second": 12}
